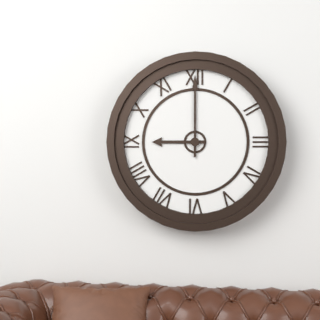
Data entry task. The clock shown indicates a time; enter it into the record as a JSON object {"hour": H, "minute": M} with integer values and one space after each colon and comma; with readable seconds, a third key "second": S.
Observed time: {"hour": 9, "minute": 0}
